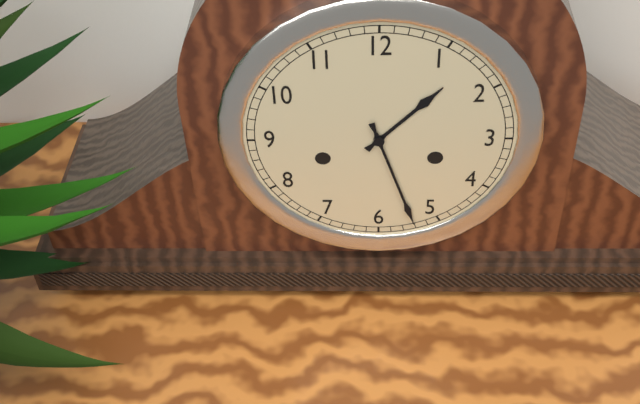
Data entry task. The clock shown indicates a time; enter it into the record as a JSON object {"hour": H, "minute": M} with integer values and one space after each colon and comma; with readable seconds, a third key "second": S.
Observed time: {"hour": 1, "minute": 27}
